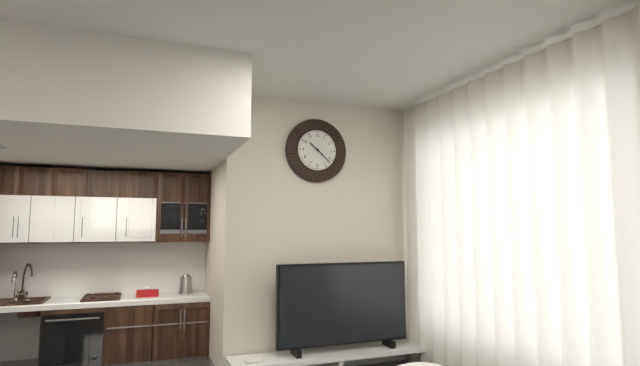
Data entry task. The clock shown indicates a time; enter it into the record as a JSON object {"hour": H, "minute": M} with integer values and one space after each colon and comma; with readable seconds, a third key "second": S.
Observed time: {"hour": 10, "minute": 22}
